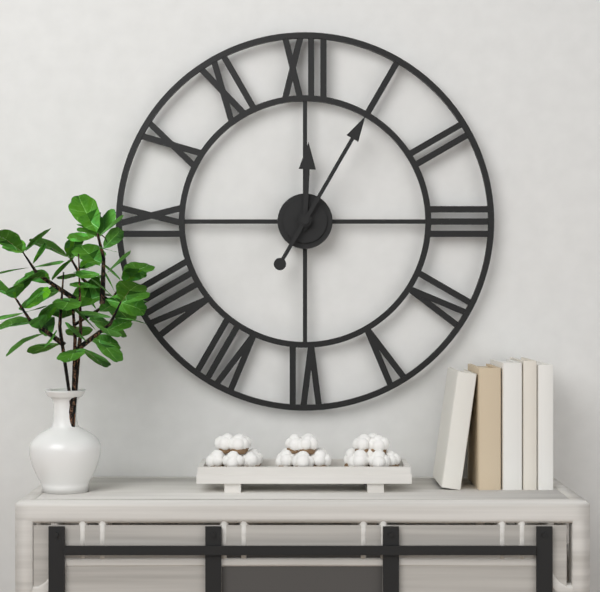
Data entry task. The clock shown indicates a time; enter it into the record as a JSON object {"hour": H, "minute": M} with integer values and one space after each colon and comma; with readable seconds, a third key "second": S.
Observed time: {"hour": 12, "minute": 5}
